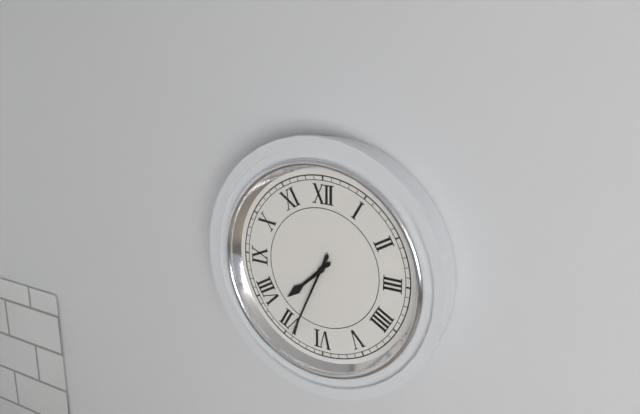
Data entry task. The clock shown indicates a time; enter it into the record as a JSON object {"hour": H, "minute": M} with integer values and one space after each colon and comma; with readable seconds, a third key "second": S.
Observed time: {"hour": 7, "minute": 34}
